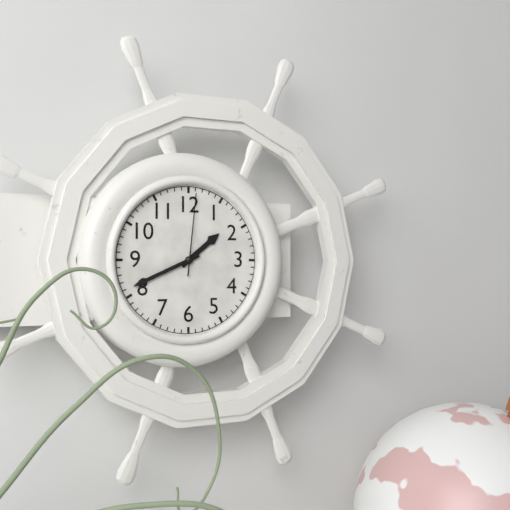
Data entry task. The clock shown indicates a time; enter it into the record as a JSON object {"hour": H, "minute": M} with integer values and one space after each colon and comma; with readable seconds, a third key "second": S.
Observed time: {"hour": 1, "minute": 41, "second": 1}
